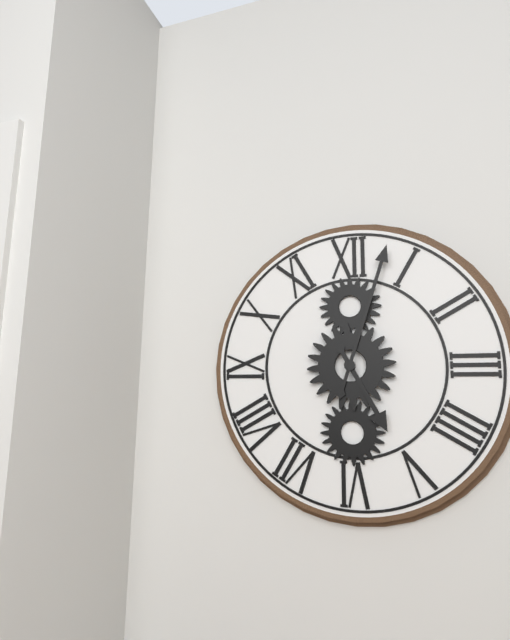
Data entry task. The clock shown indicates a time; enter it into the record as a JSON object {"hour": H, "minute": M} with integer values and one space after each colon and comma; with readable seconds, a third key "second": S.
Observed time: {"hour": 5, "minute": 3}
